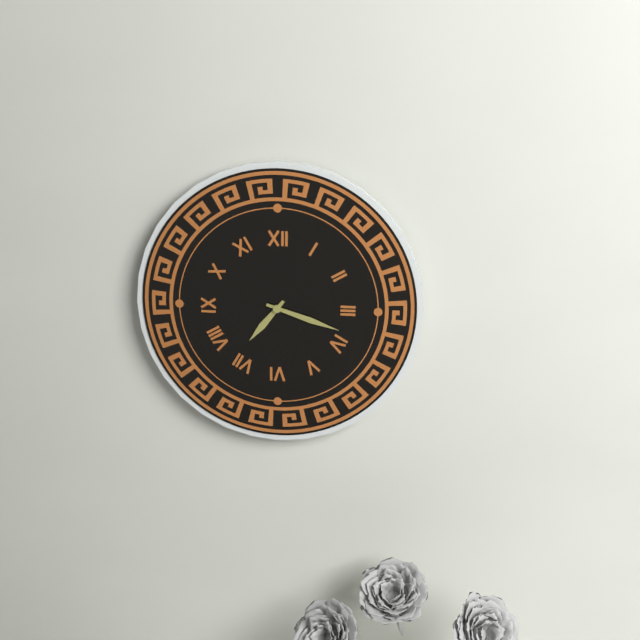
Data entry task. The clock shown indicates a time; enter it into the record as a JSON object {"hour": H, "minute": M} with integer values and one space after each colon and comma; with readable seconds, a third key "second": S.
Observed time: {"hour": 7, "minute": 18}
